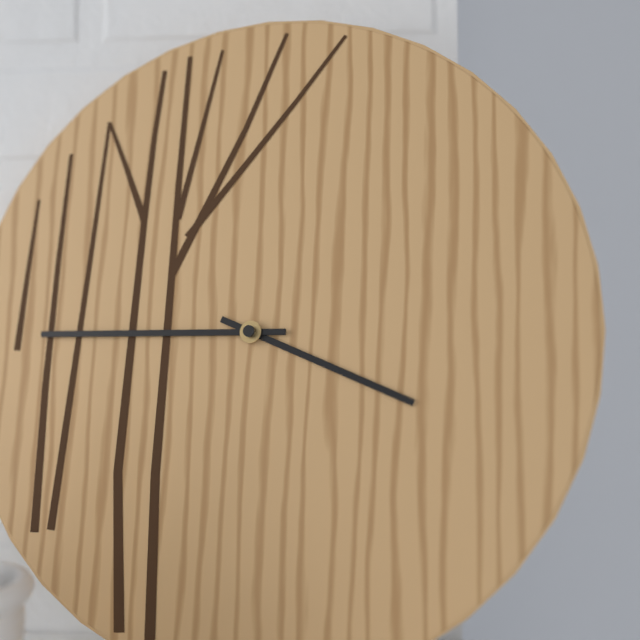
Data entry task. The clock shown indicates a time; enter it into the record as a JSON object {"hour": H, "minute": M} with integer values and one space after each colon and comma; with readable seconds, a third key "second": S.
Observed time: {"hour": 3, "minute": 45}
